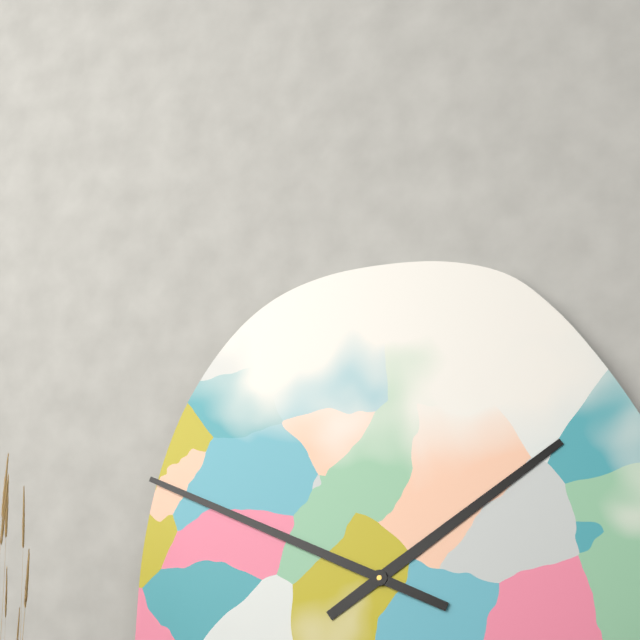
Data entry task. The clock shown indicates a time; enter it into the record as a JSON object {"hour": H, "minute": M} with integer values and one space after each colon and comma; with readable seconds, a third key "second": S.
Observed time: {"hour": 1, "minute": 49}
